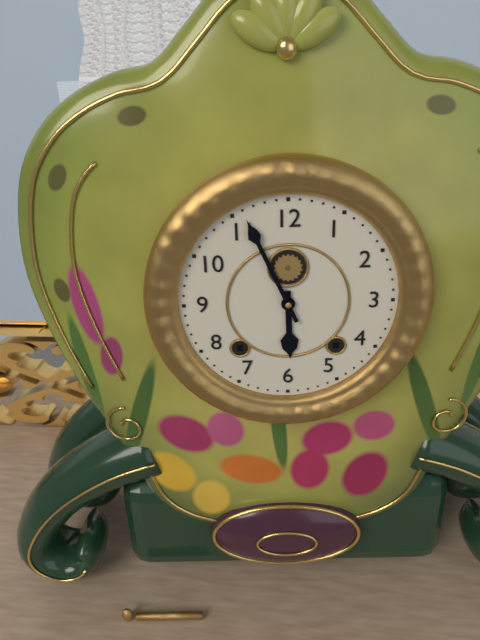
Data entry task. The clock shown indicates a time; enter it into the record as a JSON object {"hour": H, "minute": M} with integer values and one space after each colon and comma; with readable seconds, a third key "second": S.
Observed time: {"hour": 5, "minute": 56}
